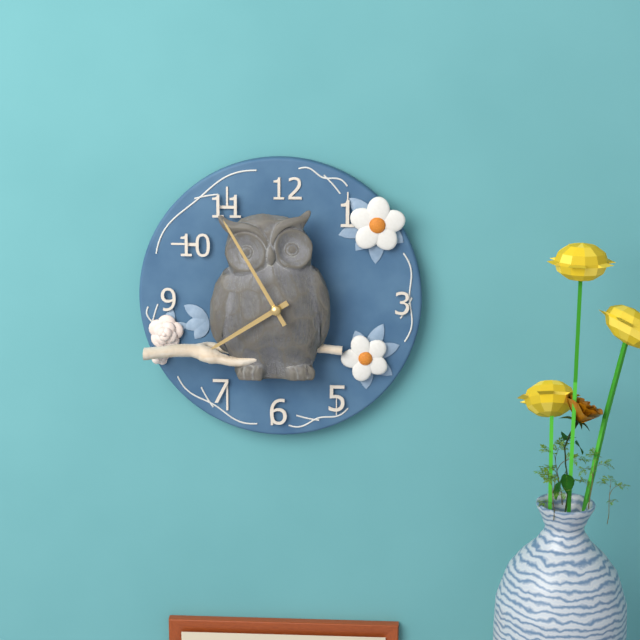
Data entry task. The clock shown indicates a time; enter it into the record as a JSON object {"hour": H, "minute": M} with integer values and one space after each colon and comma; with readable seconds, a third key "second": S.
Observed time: {"hour": 7, "minute": 55}
